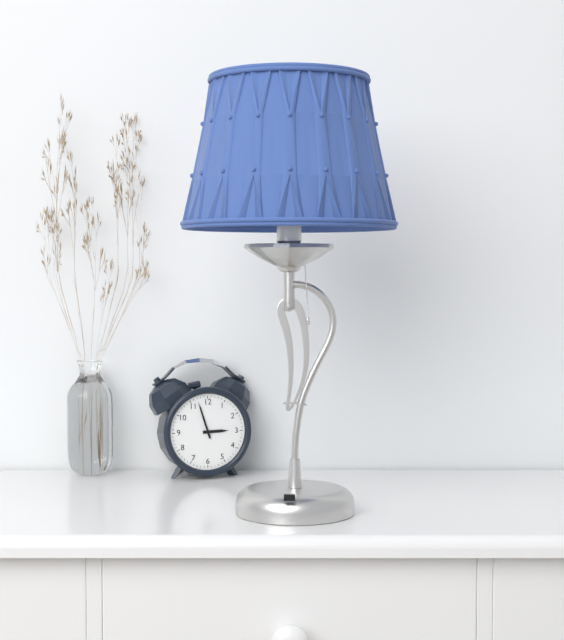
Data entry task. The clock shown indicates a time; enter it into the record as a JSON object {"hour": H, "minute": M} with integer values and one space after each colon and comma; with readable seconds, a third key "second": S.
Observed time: {"hour": 2, "minute": 57}
